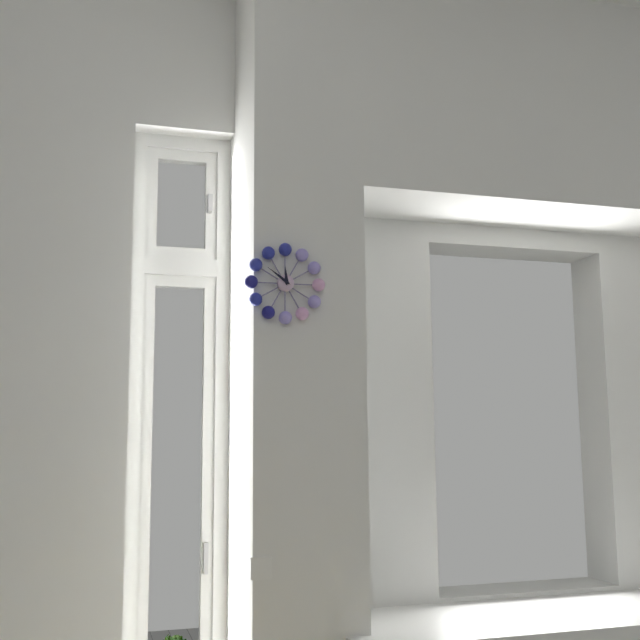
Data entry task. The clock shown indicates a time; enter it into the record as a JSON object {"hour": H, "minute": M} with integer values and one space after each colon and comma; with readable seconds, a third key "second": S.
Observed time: {"hour": 11, "minute": 51}
